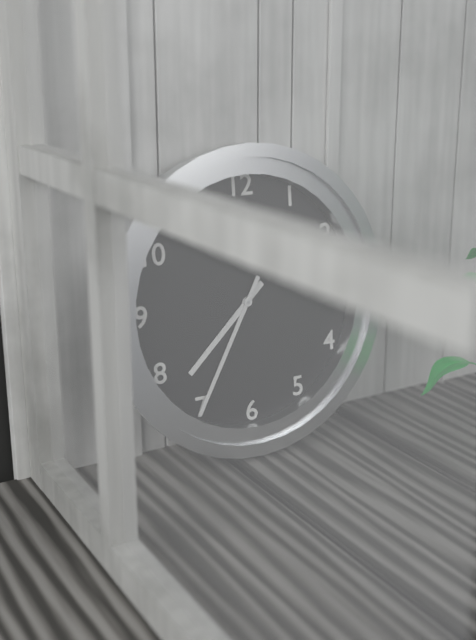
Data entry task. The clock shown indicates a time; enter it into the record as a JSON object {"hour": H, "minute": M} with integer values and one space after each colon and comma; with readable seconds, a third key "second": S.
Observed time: {"hour": 7, "minute": 35}
